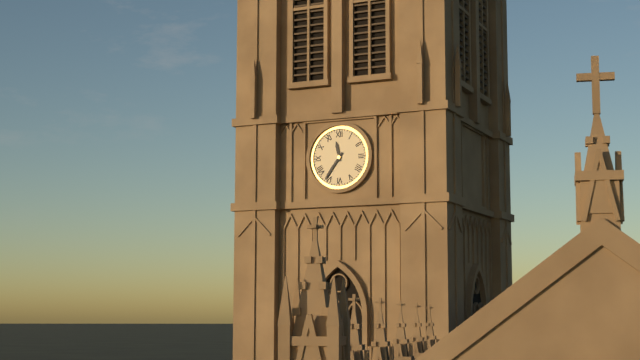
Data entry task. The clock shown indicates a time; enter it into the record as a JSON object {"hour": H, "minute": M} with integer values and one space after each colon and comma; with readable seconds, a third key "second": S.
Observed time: {"hour": 11, "minute": 36}
